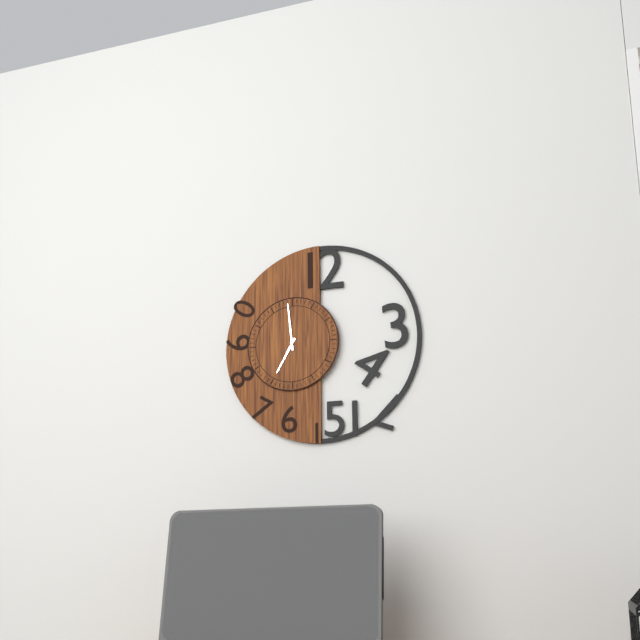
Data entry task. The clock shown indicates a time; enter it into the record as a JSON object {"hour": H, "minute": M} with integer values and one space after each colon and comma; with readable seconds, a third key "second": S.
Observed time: {"hour": 6, "minute": 59}
